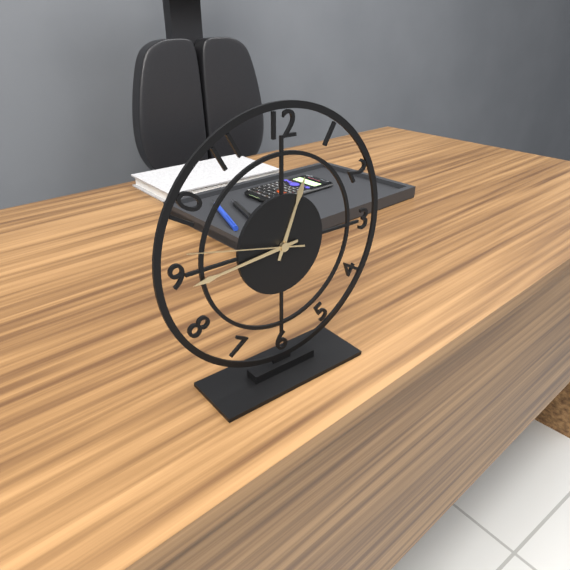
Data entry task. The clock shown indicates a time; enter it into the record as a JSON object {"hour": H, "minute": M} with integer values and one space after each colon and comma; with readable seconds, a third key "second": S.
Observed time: {"hour": 12, "minute": 44, "second": 47}
